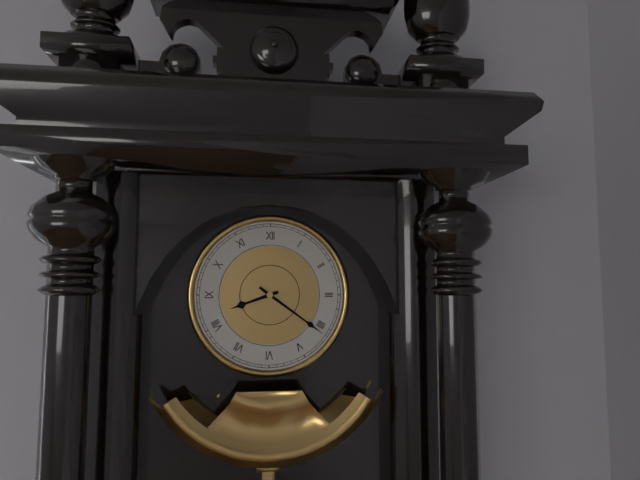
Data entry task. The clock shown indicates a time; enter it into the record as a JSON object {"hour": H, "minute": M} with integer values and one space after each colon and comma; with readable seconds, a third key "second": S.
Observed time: {"hour": 8, "minute": 21}
